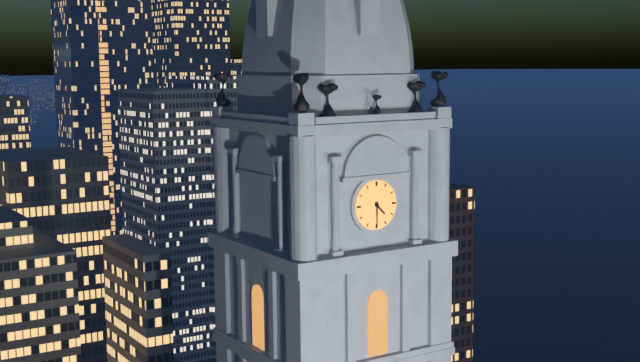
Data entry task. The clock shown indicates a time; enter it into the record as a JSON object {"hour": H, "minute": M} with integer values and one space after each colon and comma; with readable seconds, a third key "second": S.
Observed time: {"hour": 4, "minute": 30}
